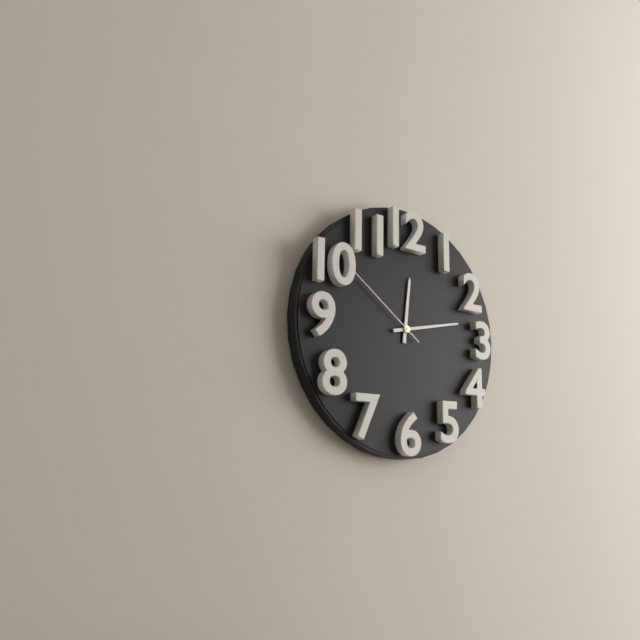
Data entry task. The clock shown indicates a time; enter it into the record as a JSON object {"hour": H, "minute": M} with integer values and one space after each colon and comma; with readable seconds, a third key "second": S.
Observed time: {"hour": 12, "minute": 13, "second": 51}
